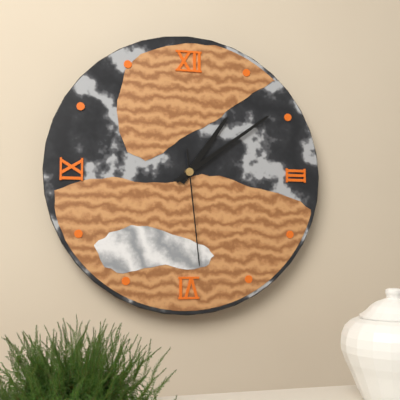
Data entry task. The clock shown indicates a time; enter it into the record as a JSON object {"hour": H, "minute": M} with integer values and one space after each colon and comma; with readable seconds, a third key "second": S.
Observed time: {"hour": 1, "minute": 9, "second": 29}
